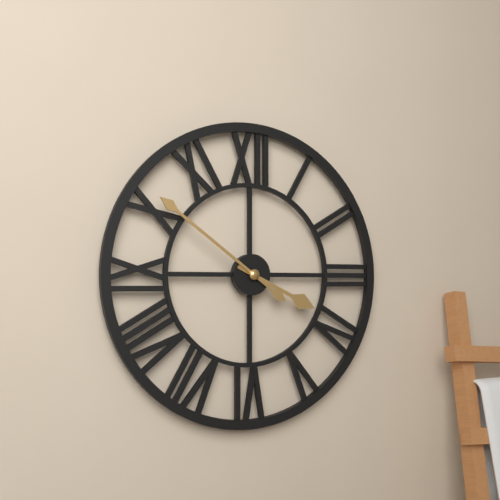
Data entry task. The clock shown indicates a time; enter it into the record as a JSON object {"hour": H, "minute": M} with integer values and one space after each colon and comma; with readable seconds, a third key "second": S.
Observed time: {"hour": 3, "minute": 51}
